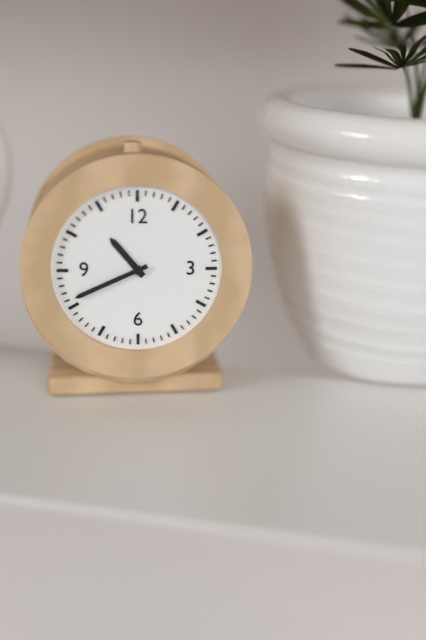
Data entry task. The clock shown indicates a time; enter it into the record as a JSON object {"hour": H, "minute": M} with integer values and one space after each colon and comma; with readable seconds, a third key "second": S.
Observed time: {"hour": 10, "minute": 41}
